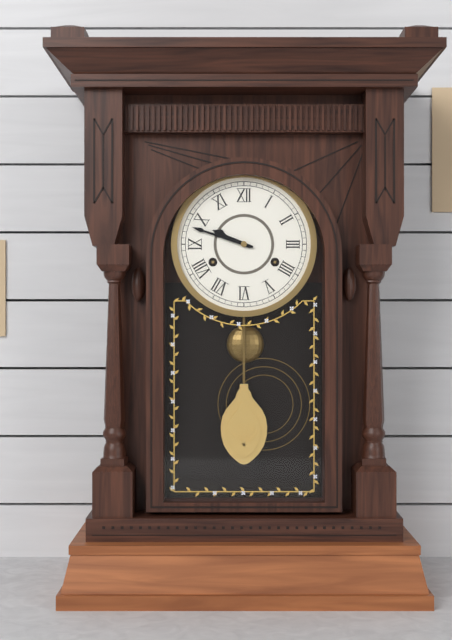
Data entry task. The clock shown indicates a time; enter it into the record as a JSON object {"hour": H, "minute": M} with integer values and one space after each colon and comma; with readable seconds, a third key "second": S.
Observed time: {"hour": 9, "minute": 48}
